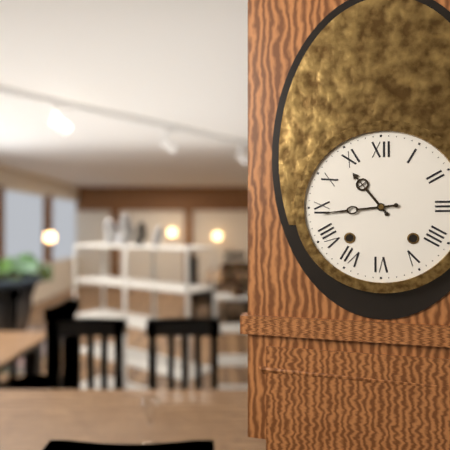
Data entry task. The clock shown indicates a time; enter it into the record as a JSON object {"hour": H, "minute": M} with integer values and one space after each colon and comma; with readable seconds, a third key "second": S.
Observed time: {"hour": 10, "minute": 44}
